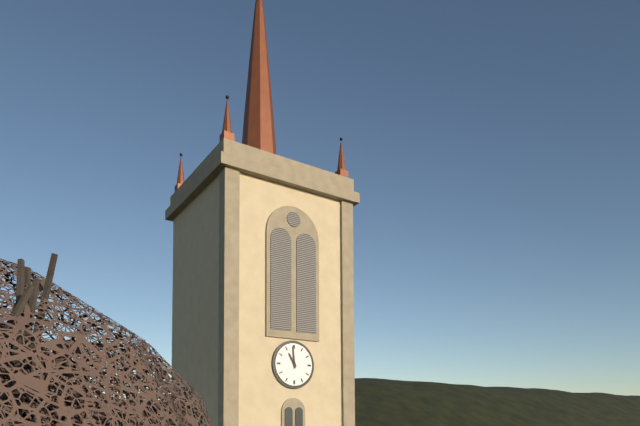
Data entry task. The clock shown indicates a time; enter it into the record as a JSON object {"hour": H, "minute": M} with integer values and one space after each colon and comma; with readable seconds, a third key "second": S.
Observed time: {"hour": 10, "minute": 59}
